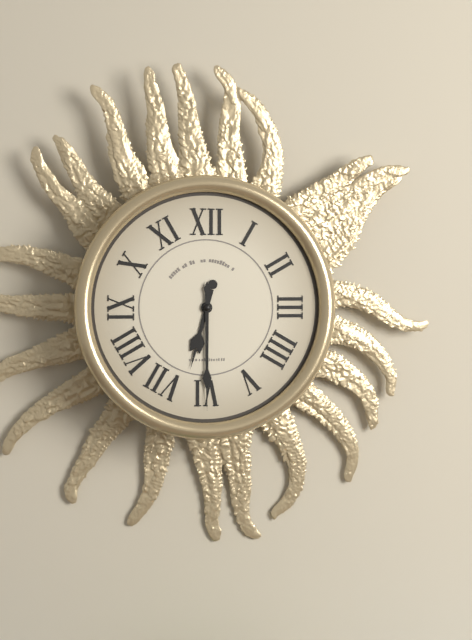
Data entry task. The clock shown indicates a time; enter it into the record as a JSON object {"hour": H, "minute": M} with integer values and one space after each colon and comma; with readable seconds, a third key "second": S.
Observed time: {"hour": 6, "minute": 30}
